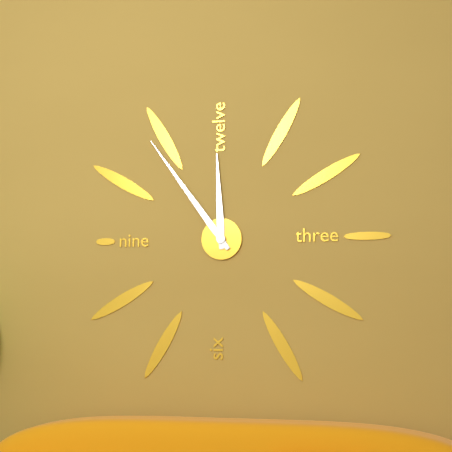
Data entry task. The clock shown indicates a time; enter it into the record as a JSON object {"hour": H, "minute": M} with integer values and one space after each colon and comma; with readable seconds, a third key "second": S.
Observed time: {"hour": 11, "minute": 54}
